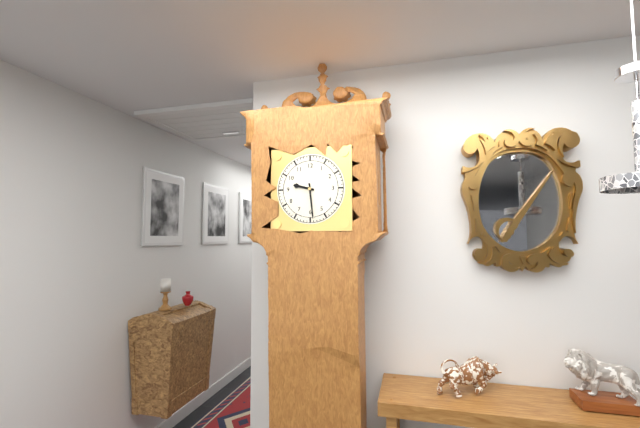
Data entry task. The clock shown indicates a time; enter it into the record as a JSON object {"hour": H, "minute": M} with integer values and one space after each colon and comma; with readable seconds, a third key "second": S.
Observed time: {"hour": 9, "minute": 29}
